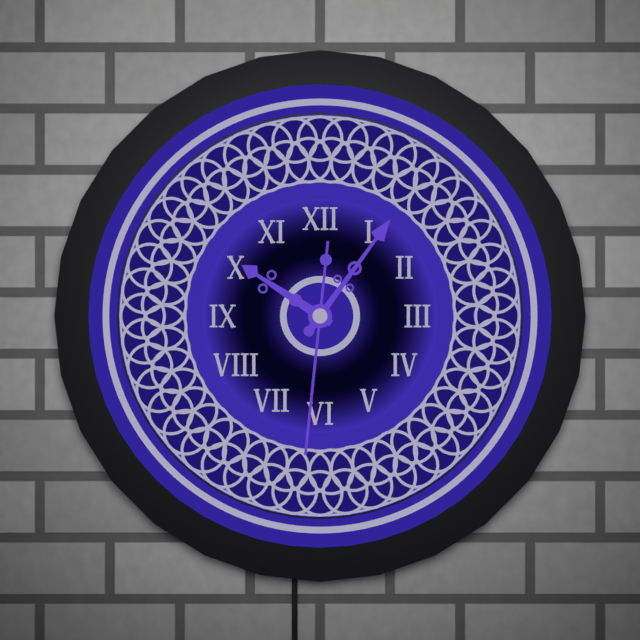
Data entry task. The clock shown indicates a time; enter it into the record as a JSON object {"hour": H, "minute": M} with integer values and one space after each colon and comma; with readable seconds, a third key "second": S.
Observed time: {"hour": 10, "minute": 6, "second": 31}
